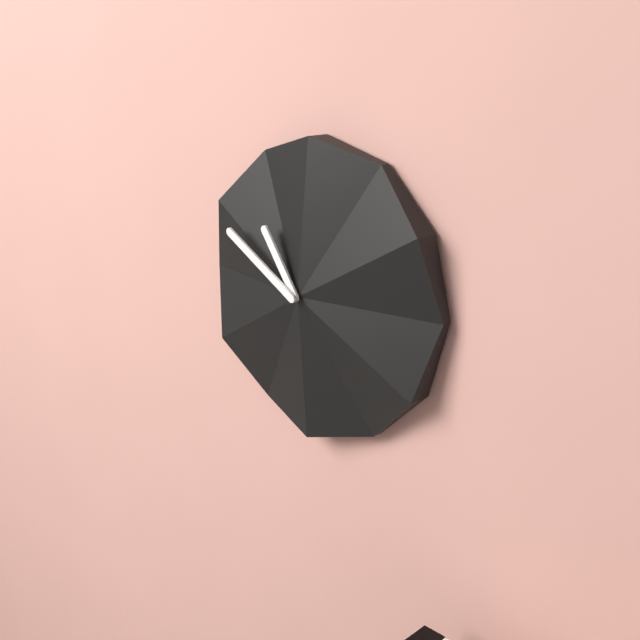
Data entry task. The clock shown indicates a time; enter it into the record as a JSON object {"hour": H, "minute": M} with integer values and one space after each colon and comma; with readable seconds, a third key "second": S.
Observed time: {"hour": 10, "minute": 50}
